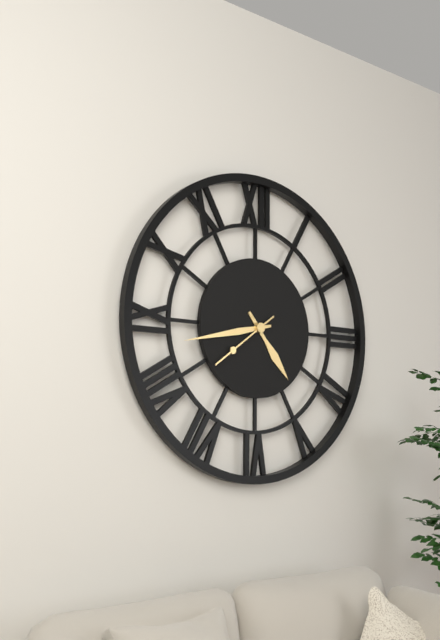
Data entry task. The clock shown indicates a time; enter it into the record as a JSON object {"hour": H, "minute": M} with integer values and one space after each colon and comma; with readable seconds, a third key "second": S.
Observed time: {"hour": 4, "minute": 43, "second": 39}
